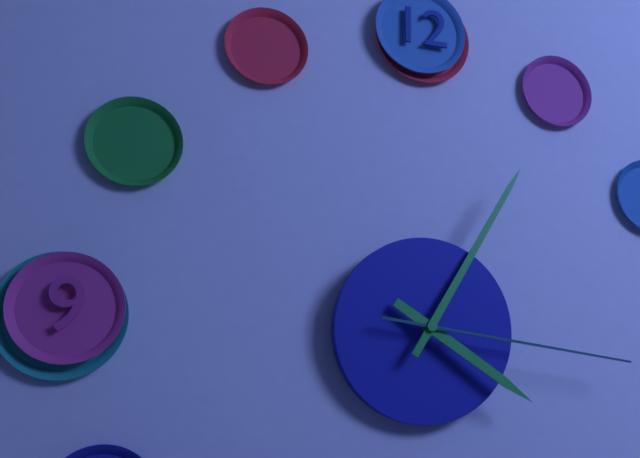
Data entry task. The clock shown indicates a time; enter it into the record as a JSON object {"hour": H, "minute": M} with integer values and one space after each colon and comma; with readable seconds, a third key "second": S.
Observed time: {"hour": 4, "minute": 5, "second": 16}
